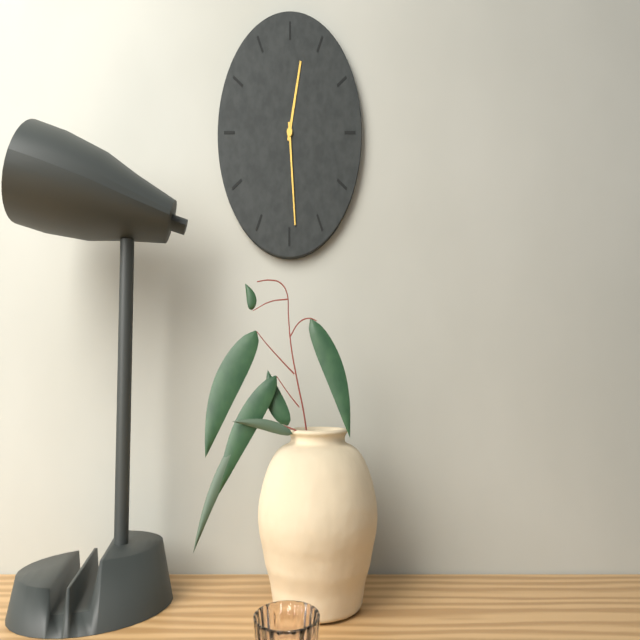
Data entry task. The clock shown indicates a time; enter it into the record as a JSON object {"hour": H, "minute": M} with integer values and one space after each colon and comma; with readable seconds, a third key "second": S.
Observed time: {"hour": 12, "minute": 29}
